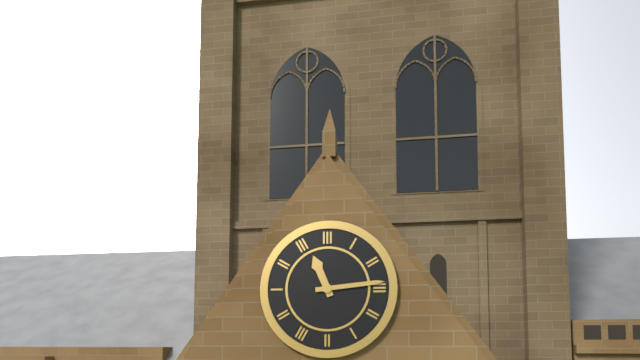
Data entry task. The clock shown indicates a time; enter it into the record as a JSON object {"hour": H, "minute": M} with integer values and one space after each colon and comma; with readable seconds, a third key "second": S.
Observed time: {"hour": 11, "minute": 14}
